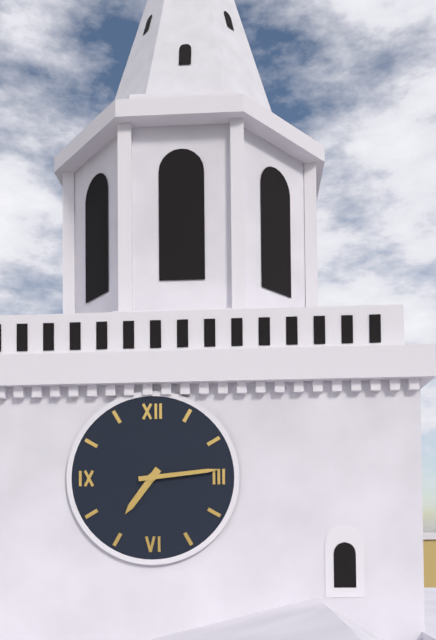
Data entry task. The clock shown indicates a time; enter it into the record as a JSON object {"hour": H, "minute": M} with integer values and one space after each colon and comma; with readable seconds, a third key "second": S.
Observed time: {"hour": 7, "minute": 14}
